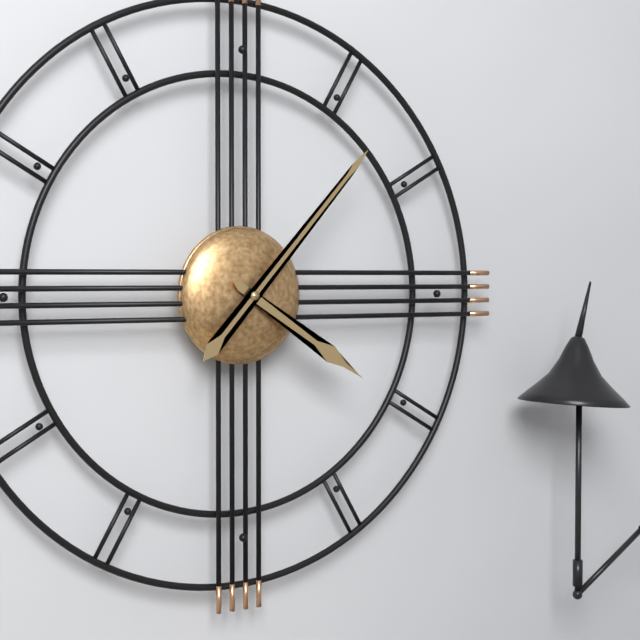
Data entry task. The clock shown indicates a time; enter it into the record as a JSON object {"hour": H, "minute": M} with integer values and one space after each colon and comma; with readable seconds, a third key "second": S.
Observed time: {"hour": 4, "minute": 7}
